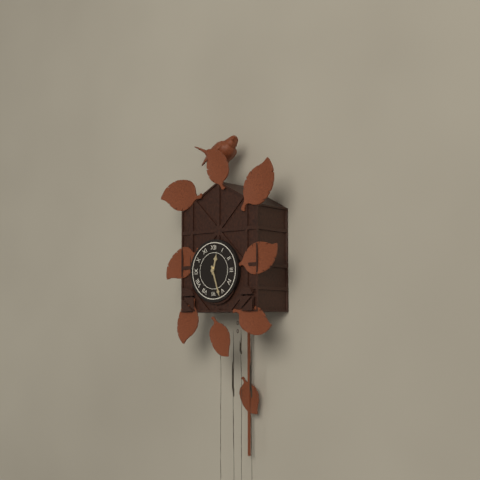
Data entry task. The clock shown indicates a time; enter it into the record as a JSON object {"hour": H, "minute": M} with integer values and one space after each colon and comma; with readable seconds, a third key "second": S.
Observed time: {"hour": 12, "minute": 27}
